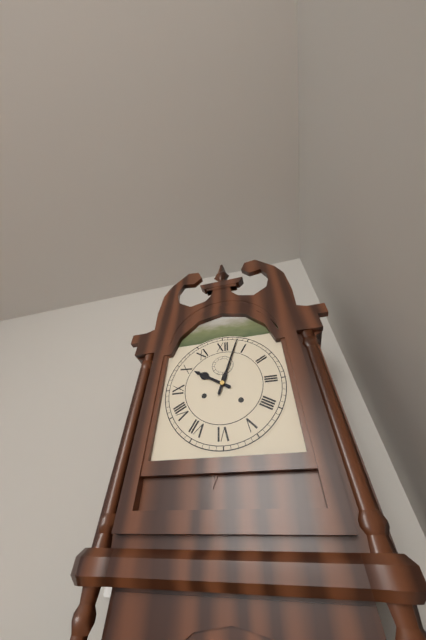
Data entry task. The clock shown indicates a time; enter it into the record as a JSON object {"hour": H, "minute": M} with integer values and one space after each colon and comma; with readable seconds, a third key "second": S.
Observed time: {"hour": 10, "minute": 3}
